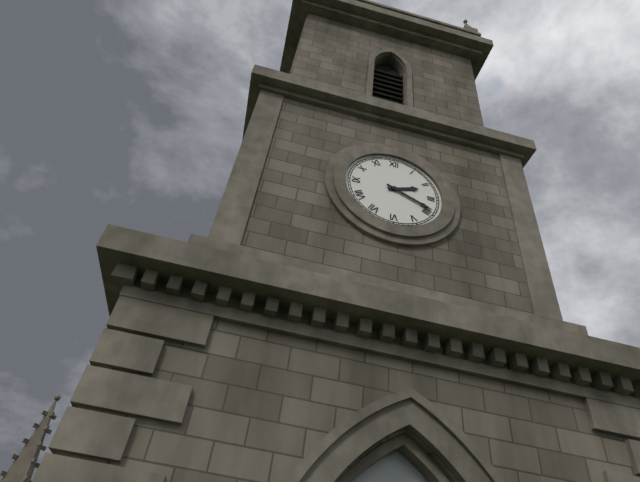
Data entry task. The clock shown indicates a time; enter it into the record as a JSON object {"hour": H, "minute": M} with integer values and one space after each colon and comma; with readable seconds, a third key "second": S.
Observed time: {"hour": 2, "minute": 19}
